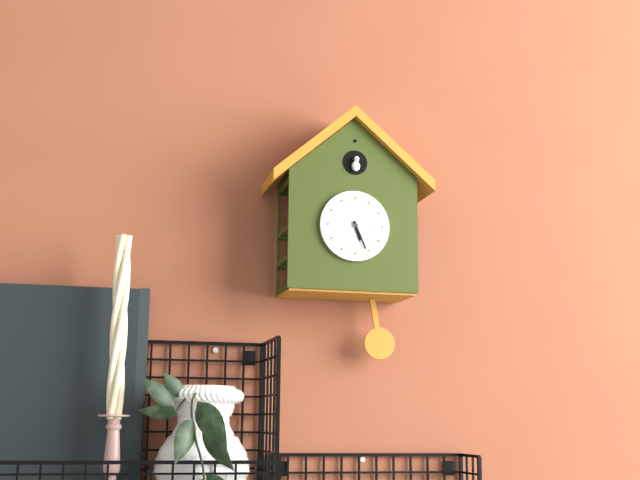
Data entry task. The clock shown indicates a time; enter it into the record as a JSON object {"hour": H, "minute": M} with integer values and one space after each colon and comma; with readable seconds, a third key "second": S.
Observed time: {"hour": 5, "minute": 26}
